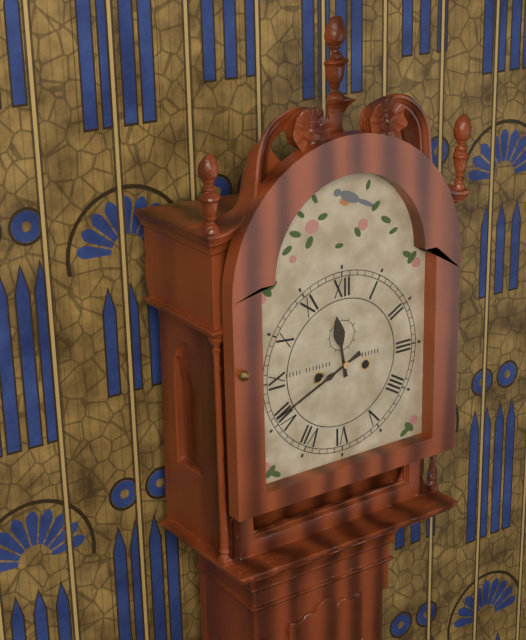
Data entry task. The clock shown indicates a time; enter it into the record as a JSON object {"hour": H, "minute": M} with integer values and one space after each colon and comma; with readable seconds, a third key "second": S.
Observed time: {"hour": 11, "minute": 41}
